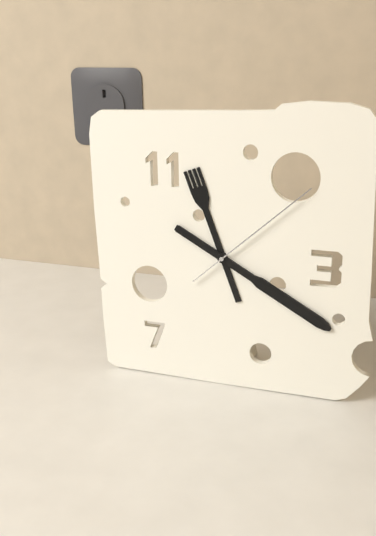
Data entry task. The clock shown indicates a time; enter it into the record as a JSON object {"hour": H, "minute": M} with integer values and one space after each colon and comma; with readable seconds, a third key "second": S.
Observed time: {"hour": 11, "minute": 20, "second": 8}
